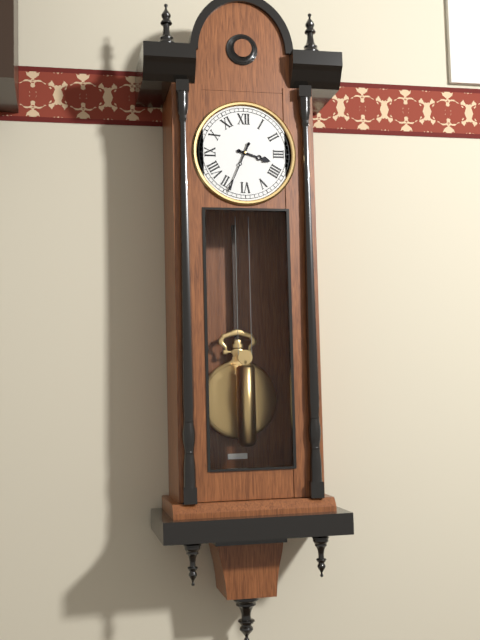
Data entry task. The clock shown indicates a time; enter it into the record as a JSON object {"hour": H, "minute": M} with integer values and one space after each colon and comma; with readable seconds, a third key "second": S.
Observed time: {"hour": 3, "minute": 34}
